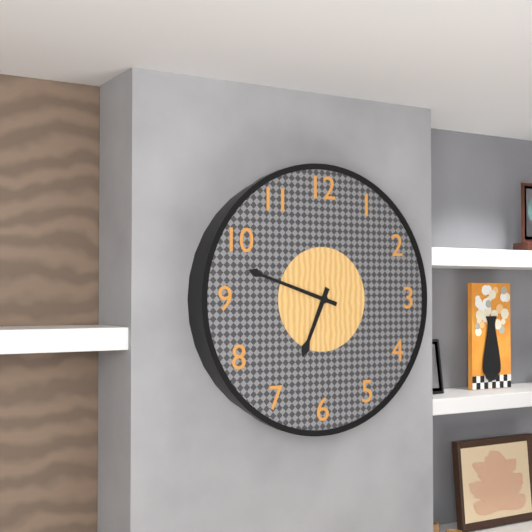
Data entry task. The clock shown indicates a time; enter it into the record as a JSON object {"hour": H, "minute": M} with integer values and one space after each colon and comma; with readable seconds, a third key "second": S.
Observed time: {"hour": 6, "minute": 48}
